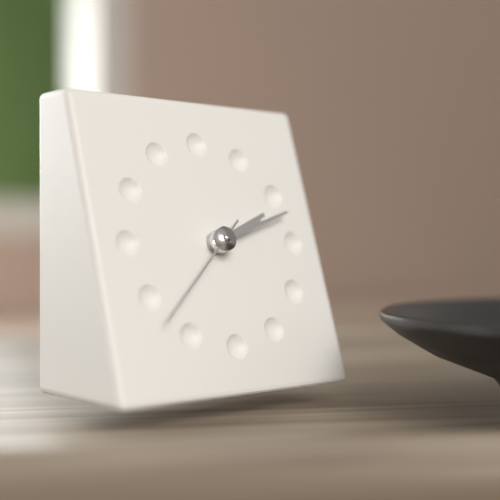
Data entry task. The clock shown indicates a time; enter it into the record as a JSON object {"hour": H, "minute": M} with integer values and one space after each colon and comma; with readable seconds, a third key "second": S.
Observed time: {"hour": 2, "minute": 12, "second": 38}
